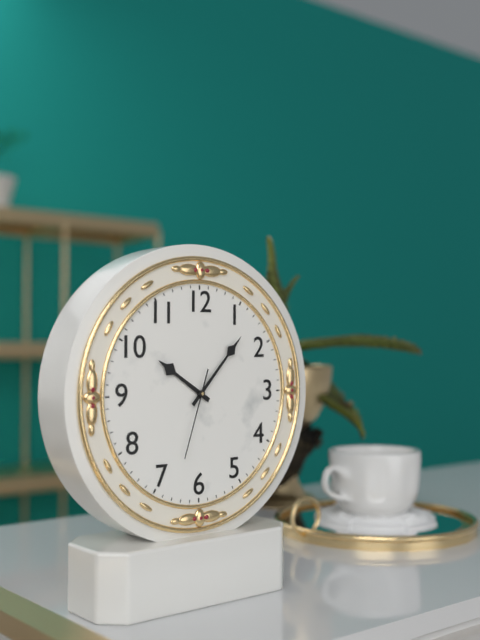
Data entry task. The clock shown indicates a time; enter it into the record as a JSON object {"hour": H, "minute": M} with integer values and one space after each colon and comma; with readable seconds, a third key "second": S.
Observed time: {"hour": 10, "minute": 7, "second": 33}
